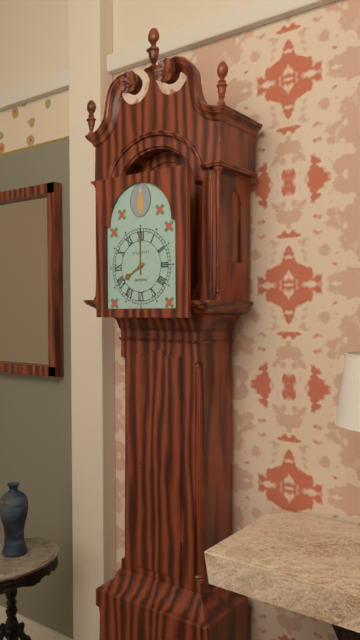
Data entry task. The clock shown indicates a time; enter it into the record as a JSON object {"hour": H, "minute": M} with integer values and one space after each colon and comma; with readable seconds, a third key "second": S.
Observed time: {"hour": 8, "minute": 0}
